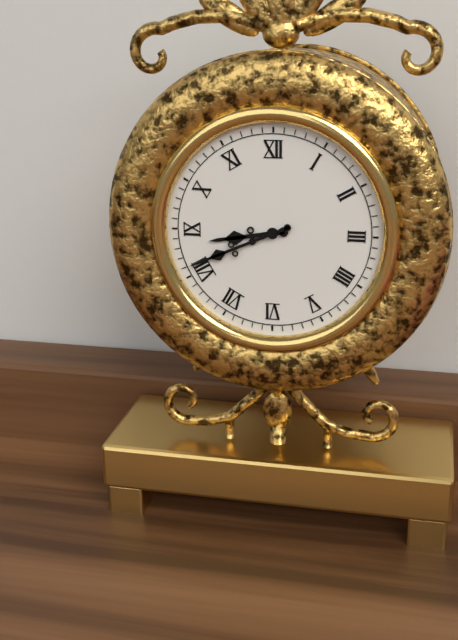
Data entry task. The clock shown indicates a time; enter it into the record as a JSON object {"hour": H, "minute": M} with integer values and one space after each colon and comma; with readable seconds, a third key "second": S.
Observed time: {"hour": 8, "minute": 41}
